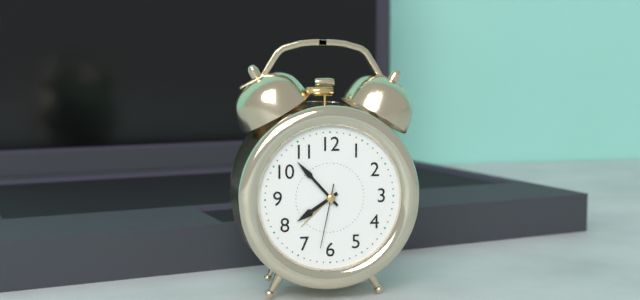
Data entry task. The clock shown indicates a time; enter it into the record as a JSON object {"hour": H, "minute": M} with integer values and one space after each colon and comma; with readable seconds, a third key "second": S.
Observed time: {"hour": 7, "minute": 53, "second": 32}
